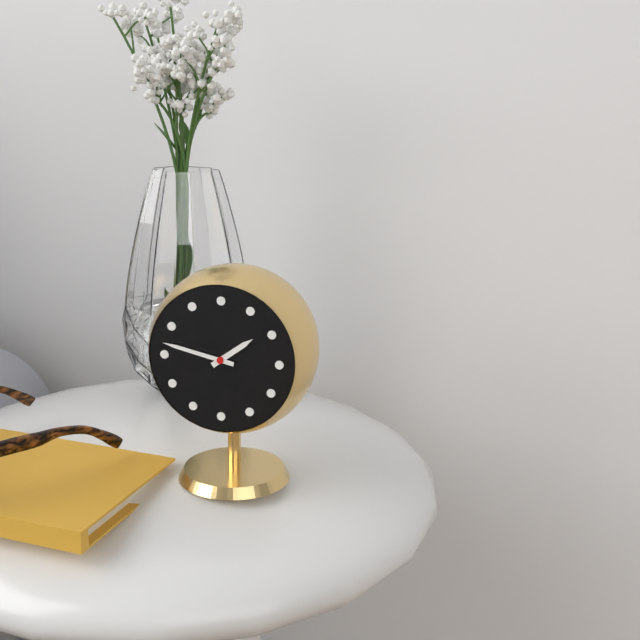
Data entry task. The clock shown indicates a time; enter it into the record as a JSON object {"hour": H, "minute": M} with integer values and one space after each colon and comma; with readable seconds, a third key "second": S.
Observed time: {"hour": 1, "minute": 47}
